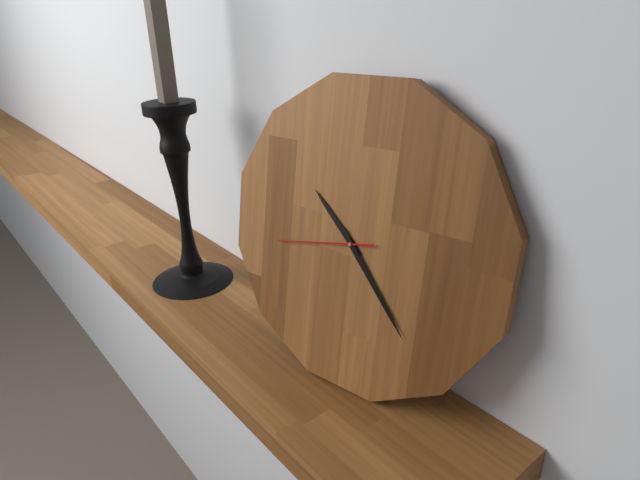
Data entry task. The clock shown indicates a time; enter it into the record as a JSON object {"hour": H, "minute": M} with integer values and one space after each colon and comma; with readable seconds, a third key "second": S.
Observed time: {"hour": 10, "minute": 23, "second": 43}
